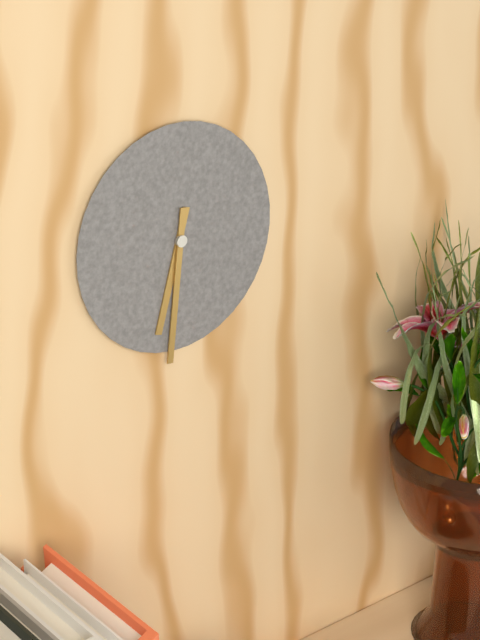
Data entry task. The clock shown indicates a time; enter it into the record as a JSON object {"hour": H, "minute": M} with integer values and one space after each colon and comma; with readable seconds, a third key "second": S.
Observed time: {"hour": 6, "minute": 31}
